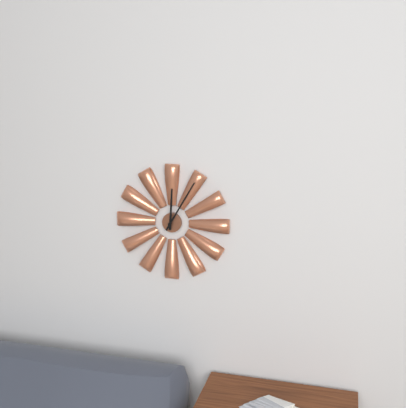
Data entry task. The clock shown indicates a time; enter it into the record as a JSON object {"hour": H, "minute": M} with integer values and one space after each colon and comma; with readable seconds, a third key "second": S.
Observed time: {"hour": 12, "minute": 5}
